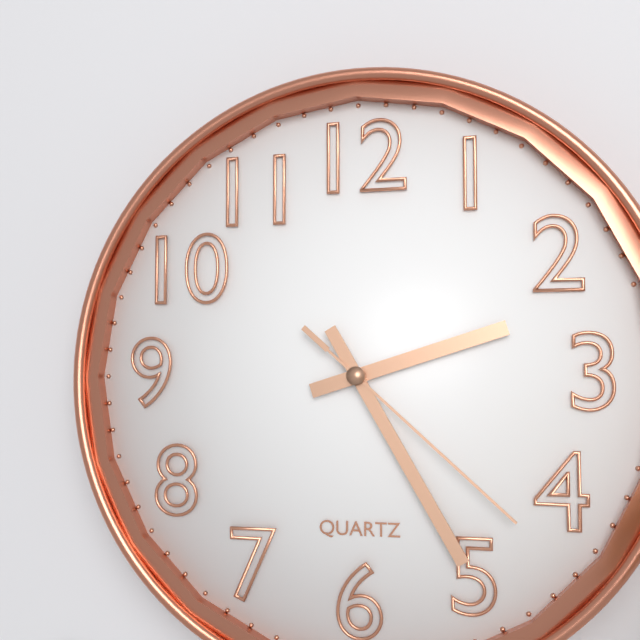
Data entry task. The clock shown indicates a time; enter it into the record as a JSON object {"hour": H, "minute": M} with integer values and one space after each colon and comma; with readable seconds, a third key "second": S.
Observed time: {"hour": 2, "minute": 25, "second": 22}
